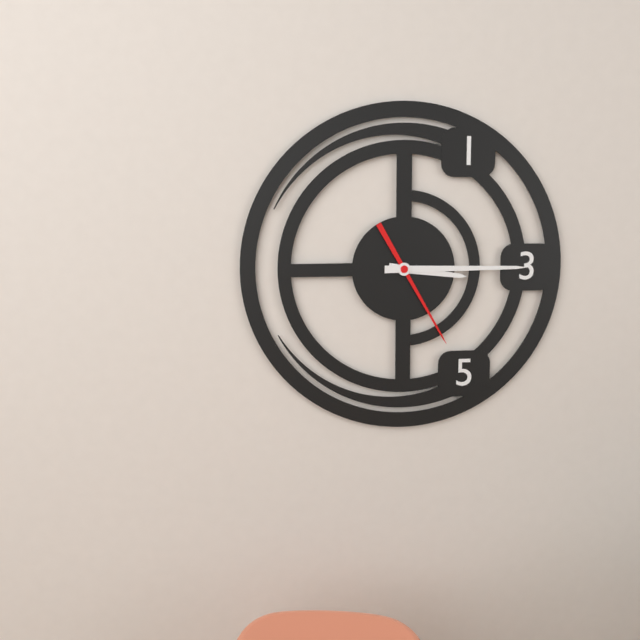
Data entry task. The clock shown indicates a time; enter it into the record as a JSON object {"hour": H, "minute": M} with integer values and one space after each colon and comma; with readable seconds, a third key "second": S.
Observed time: {"hour": 3, "minute": 15, "second": 25}
